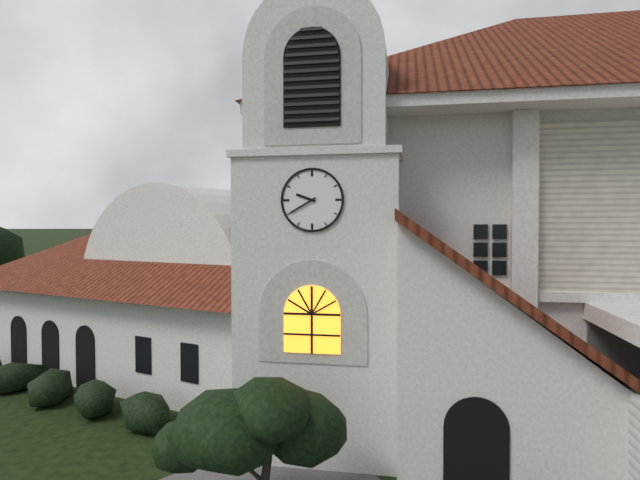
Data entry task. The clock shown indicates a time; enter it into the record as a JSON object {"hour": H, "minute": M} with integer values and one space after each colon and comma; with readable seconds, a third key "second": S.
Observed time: {"hour": 9, "minute": 40}
